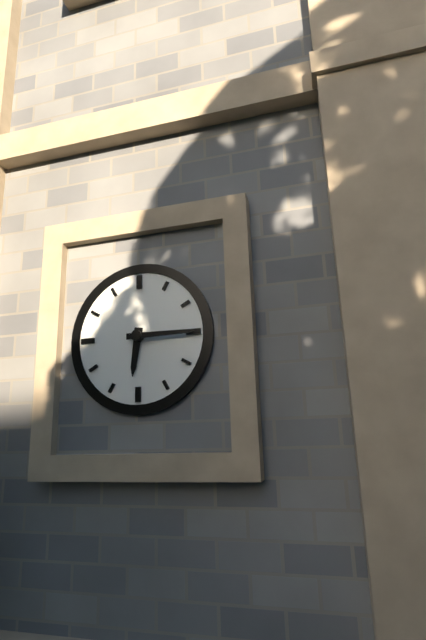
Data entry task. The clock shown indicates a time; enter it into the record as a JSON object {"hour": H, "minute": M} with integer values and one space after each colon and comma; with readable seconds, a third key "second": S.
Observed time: {"hour": 6, "minute": 15}
